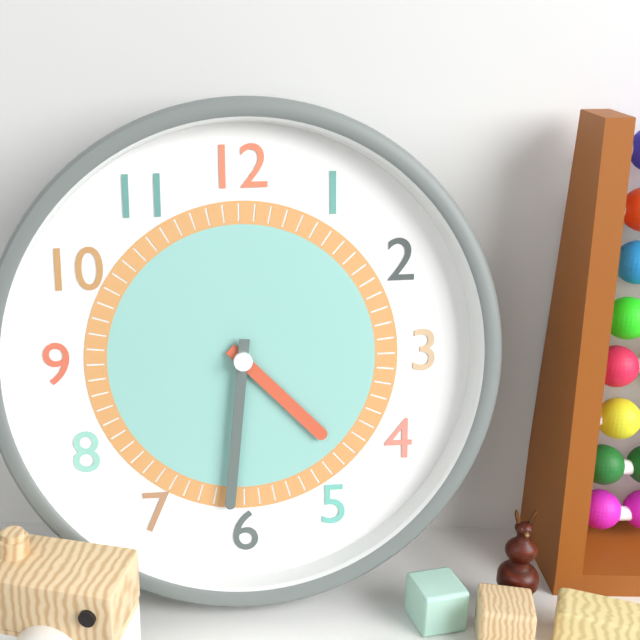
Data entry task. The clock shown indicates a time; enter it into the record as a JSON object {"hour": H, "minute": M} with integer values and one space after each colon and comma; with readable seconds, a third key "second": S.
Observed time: {"hour": 4, "minute": 31}
